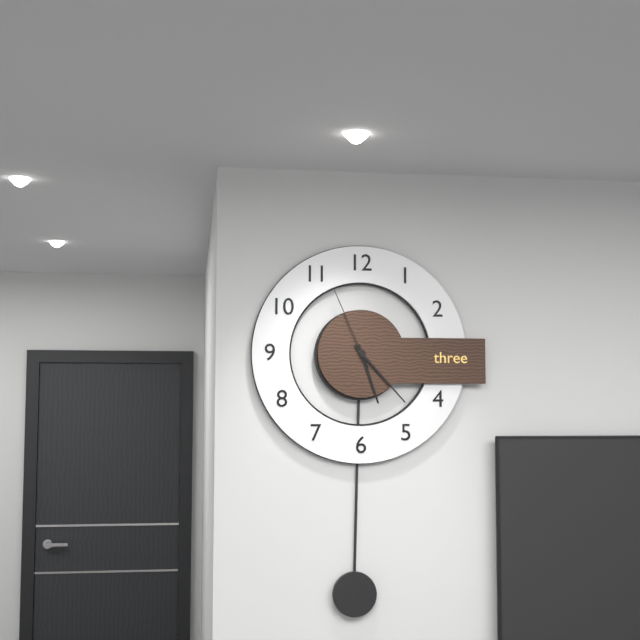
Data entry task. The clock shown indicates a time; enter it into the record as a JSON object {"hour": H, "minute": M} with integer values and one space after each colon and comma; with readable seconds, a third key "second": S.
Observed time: {"hour": 5, "minute": 23, "second": 56}
